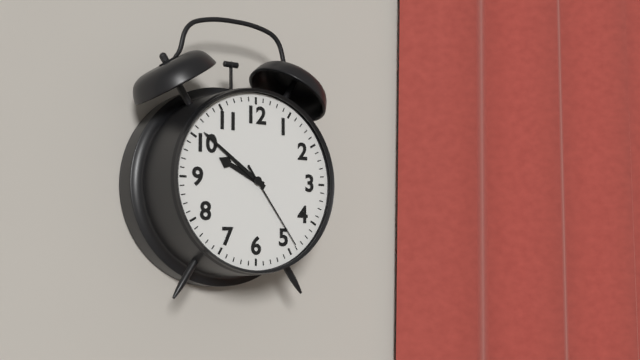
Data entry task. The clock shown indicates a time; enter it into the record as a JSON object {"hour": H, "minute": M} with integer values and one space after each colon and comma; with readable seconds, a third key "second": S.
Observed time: {"hour": 9, "minute": 51, "second": 24}
